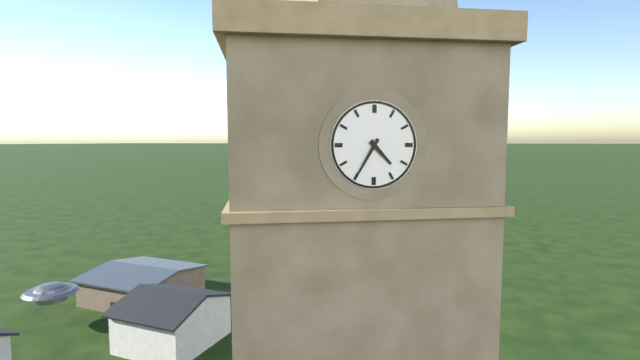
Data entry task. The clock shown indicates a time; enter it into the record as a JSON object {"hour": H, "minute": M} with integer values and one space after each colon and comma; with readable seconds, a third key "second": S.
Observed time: {"hour": 4, "minute": 35}
